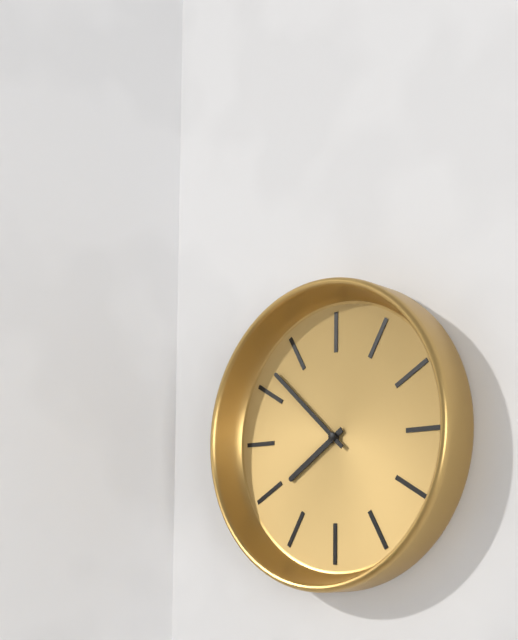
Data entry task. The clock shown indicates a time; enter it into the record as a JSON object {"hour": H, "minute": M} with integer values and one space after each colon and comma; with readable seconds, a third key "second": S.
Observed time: {"hour": 7, "minute": 52}
